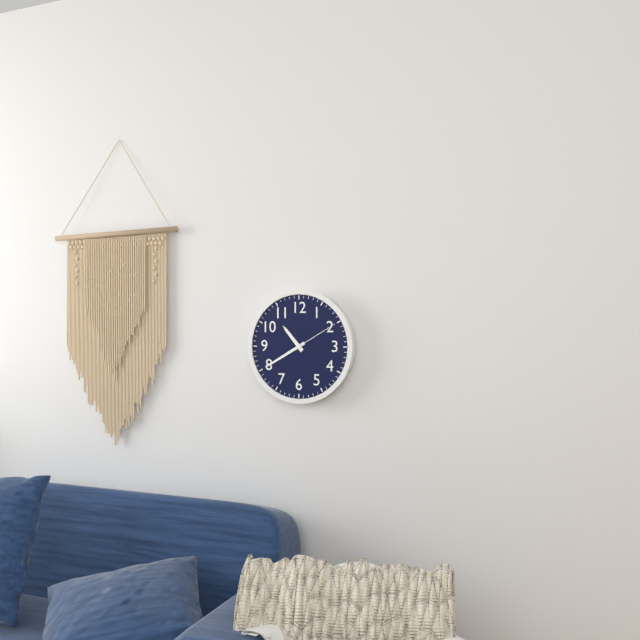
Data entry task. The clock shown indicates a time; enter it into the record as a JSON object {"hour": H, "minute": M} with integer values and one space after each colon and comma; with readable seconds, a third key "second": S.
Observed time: {"hour": 10, "minute": 40, "second": 10}
